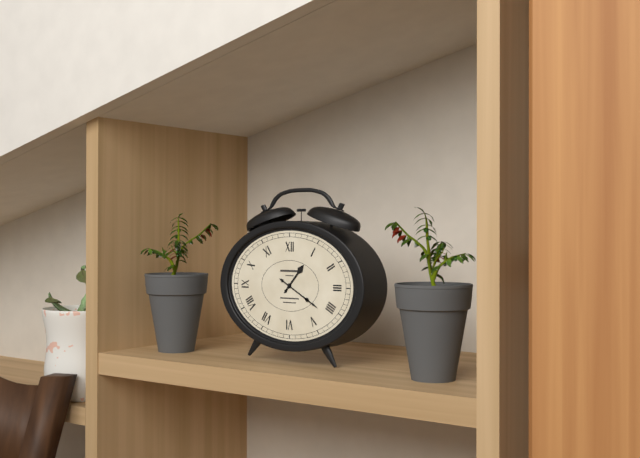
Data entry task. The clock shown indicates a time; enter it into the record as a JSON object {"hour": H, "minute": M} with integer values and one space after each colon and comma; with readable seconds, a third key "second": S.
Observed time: {"hour": 1, "minute": 20}
